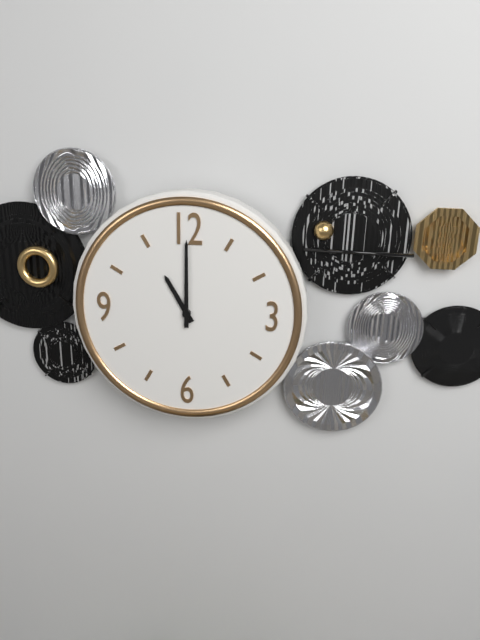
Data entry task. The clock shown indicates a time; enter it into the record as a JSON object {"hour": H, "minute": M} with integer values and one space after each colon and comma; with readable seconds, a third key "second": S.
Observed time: {"hour": 11, "minute": 0}
